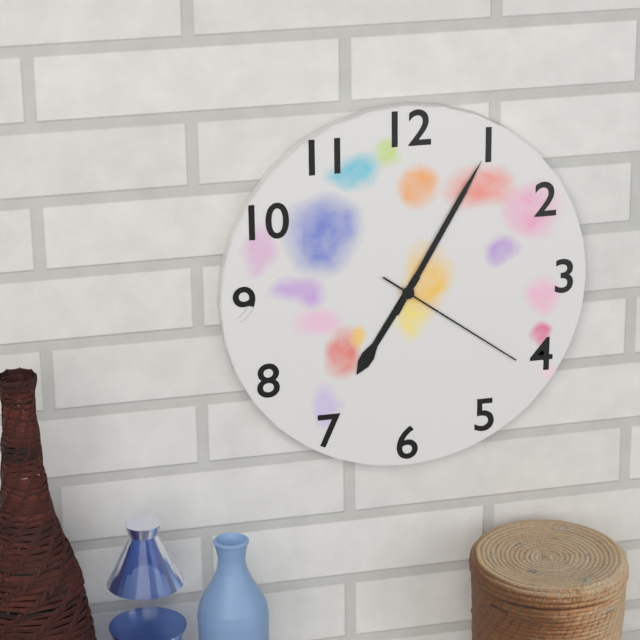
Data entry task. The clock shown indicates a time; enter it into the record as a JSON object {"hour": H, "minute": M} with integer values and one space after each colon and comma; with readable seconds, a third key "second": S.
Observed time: {"hour": 7, "minute": 5, "second": 21}
